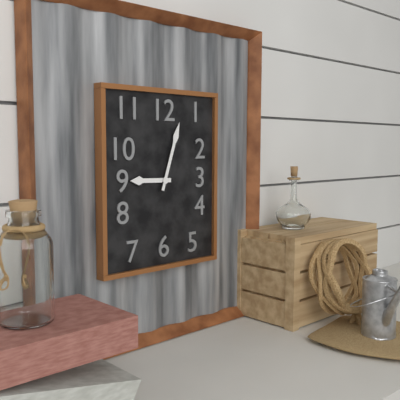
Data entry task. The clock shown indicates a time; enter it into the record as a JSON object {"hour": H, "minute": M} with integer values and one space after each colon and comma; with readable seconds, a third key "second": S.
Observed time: {"hour": 9, "minute": 3}
